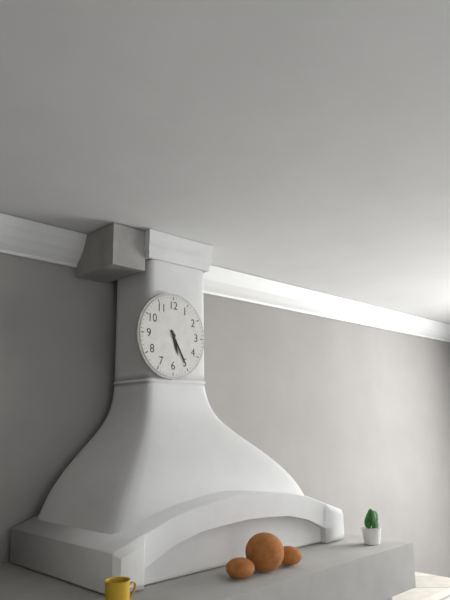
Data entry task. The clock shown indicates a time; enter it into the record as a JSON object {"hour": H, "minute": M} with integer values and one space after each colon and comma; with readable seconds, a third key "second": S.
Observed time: {"hour": 5, "minute": 25}
